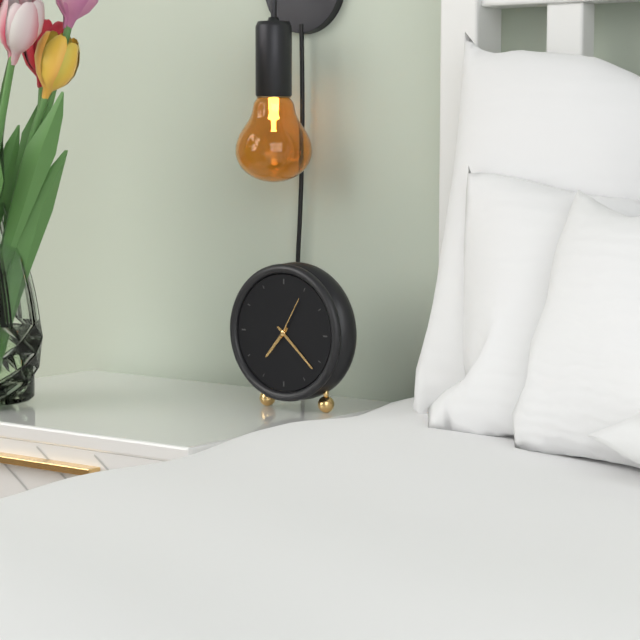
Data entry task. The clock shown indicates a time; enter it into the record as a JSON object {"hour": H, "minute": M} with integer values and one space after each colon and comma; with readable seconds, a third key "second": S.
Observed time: {"hour": 7, "minute": 22}
